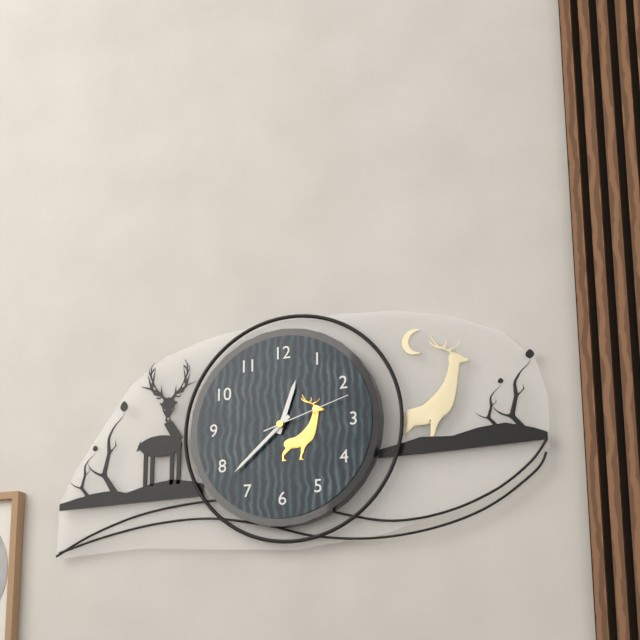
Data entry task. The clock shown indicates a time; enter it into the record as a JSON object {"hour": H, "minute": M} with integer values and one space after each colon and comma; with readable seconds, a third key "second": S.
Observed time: {"hour": 12, "minute": 38, "second": 12}
